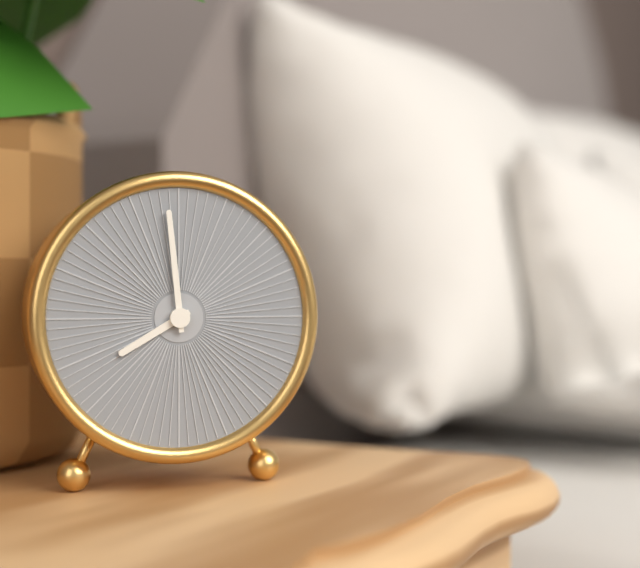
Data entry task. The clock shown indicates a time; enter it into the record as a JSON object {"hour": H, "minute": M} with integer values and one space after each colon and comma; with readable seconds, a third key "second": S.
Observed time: {"hour": 7, "minute": 59}
